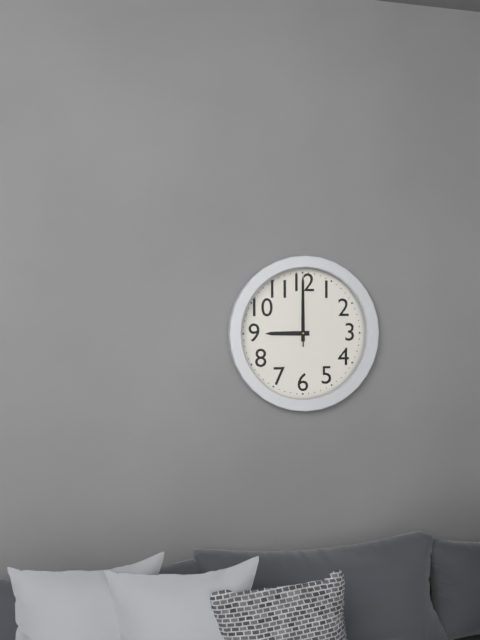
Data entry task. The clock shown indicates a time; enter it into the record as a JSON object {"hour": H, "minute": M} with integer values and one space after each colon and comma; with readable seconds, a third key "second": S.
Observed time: {"hour": 9, "minute": 0, "second": 0}
